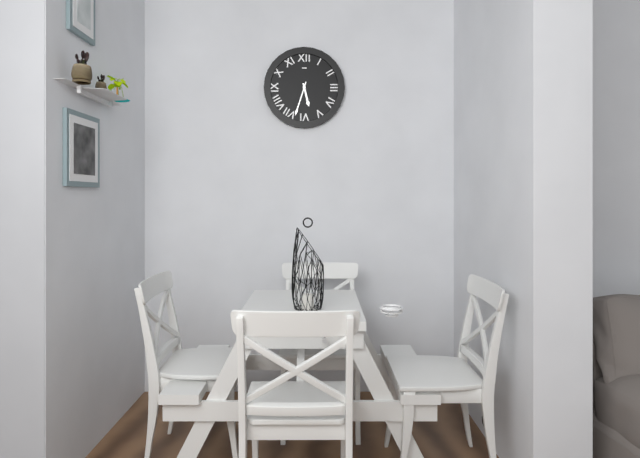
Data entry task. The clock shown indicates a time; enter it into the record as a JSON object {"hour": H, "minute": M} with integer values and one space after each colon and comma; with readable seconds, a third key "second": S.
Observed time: {"hour": 5, "minute": 33}
